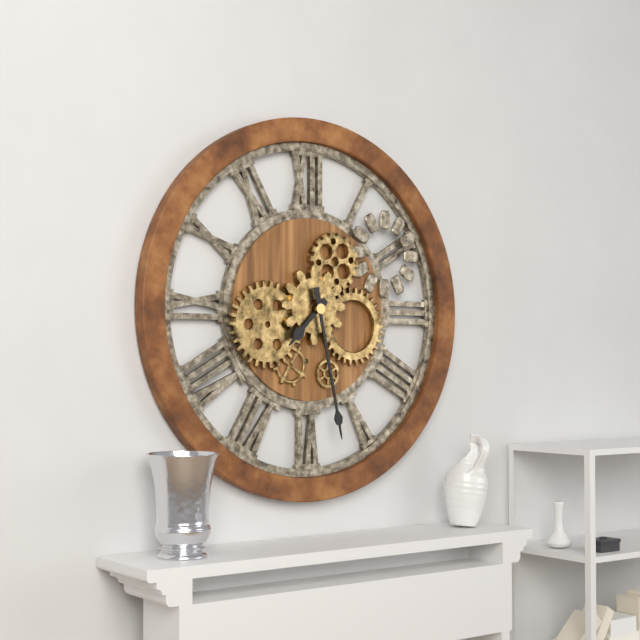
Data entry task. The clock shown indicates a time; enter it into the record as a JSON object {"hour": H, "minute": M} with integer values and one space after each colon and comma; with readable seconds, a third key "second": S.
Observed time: {"hour": 7, "minute": 28}
